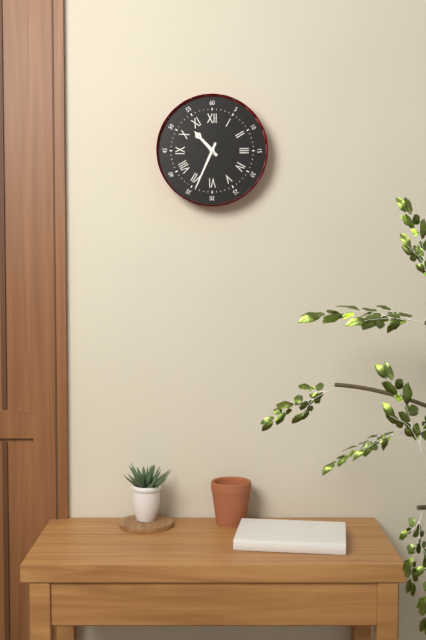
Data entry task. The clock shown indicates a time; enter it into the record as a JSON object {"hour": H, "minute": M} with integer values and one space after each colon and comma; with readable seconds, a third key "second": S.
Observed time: {"hour": 10, "minute": 34}
